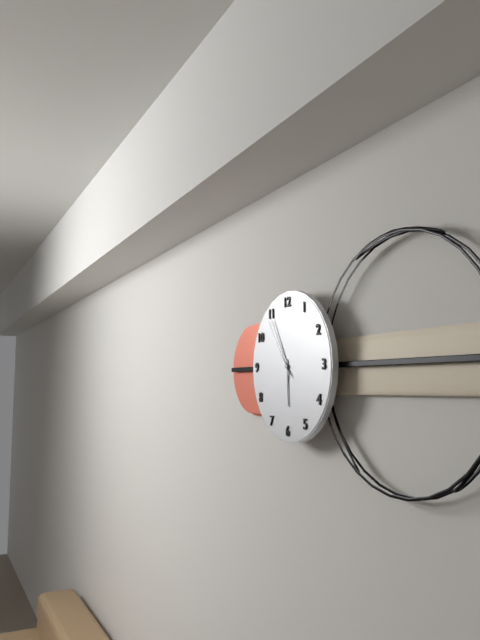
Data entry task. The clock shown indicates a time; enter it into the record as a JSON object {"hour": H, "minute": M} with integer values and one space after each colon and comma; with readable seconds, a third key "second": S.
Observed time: {"hour": 5, "minute": 55, "second": 54}
